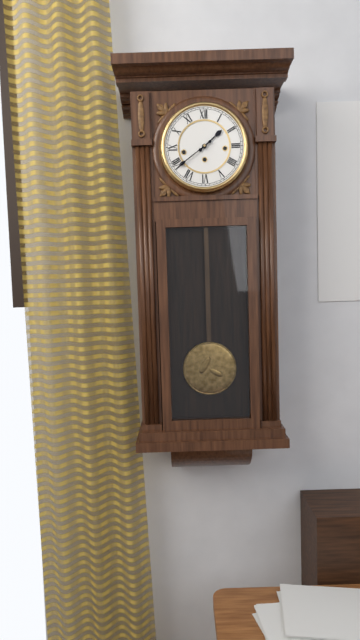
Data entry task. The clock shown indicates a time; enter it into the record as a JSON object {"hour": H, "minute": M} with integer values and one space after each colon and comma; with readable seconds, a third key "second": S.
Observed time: {"hour": 1, "minute": 39}
